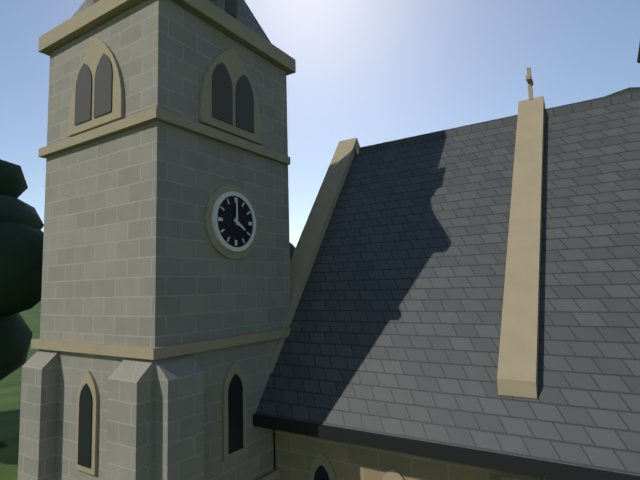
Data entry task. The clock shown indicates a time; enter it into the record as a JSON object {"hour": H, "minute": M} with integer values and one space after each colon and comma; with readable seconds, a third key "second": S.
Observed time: {"hour": 4, "minute": 0}
